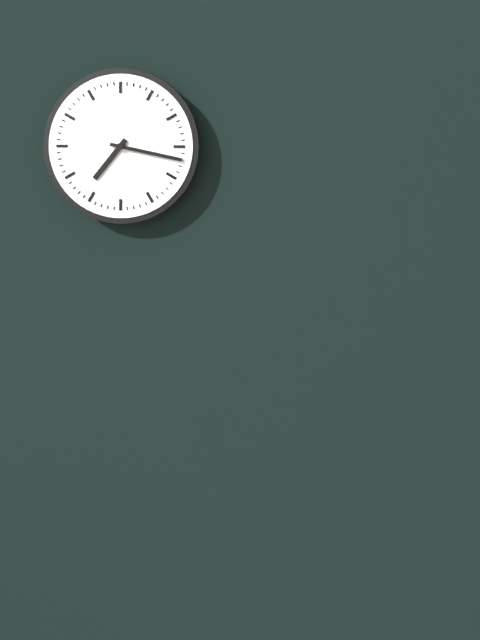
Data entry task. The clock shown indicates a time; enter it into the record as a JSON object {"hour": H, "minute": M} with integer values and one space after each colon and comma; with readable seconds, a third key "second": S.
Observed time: {"hour": 7, "minute": 17}
